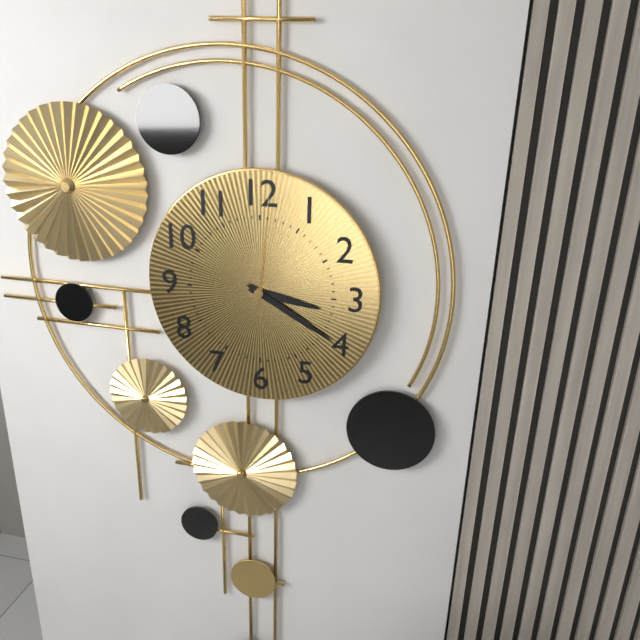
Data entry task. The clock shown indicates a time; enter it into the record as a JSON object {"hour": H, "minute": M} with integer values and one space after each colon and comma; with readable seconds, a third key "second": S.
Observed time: {"hour": 3, "minute": 20, "second": 1}
